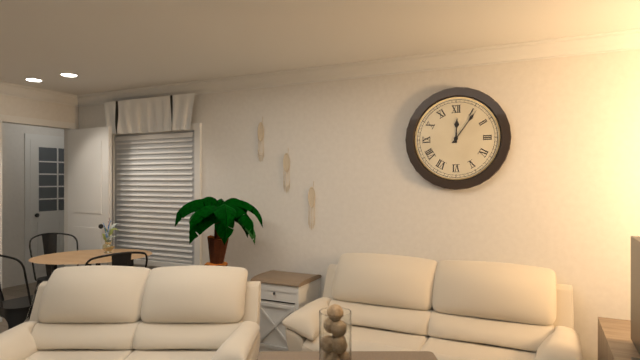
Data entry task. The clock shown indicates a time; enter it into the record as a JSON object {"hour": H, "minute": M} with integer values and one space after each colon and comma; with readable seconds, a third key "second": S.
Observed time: {"hour": 12, "minute": 6}
